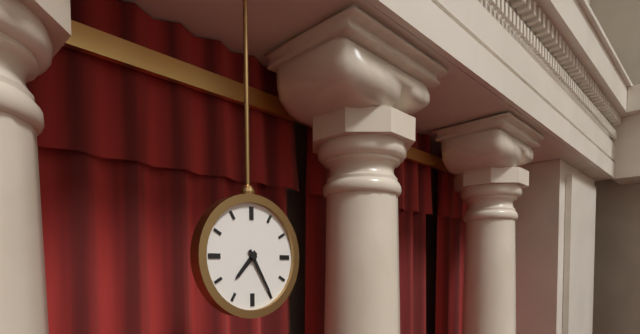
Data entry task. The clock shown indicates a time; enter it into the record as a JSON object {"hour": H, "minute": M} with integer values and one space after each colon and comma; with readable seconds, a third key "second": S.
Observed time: {"hour": 7, "minute": 25}
